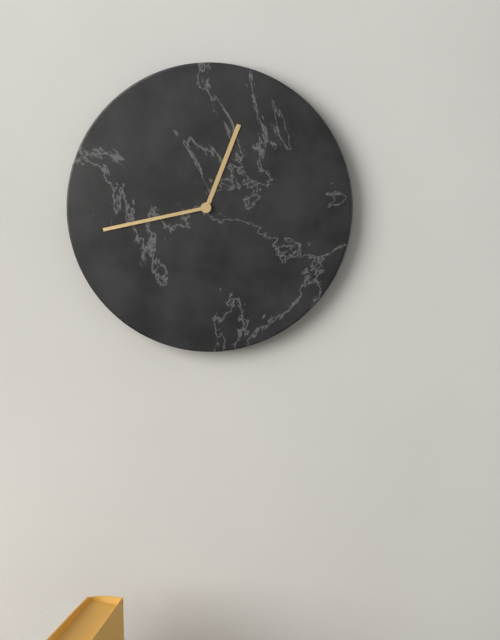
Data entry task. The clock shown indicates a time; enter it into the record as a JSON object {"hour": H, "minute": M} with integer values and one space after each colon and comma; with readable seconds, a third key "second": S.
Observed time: {"hour": 12, "minute": 43}
